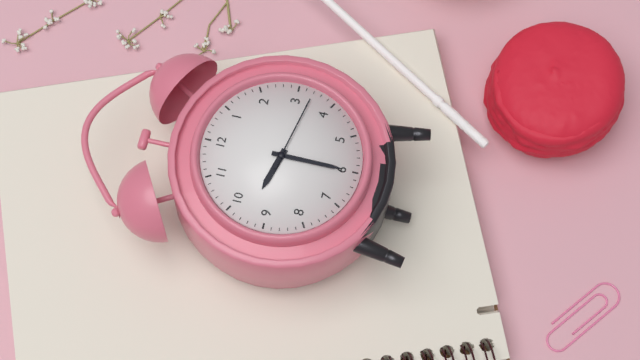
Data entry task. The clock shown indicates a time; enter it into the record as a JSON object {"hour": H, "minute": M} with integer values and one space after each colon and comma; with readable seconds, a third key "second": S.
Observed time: {"hour": 9, "minute": 30, "second": 17}
